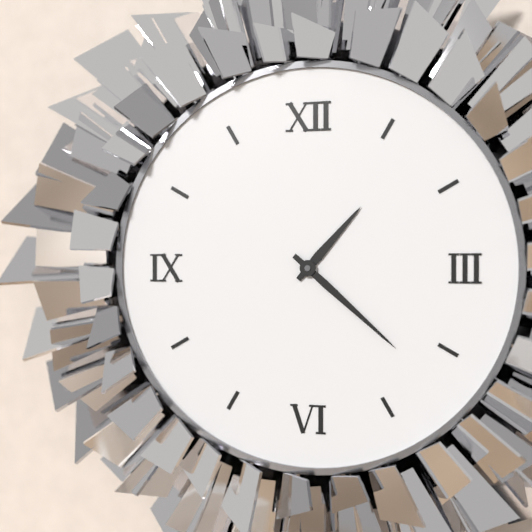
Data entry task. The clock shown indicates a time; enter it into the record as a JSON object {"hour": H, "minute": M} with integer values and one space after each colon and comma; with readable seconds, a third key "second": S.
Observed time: {"hour": 1, "minute": 22}
